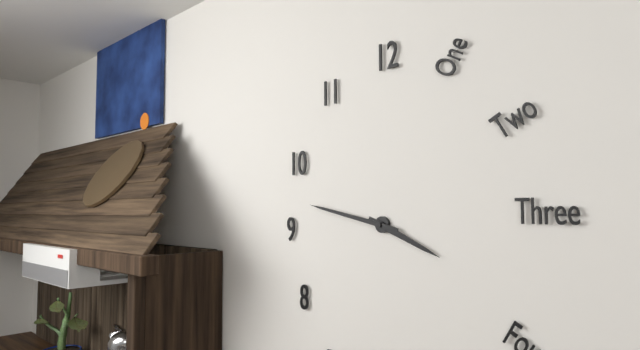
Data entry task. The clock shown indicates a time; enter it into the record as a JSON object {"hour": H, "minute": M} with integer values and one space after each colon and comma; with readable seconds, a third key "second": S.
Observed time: {"hour": 3, "minute": 47}
